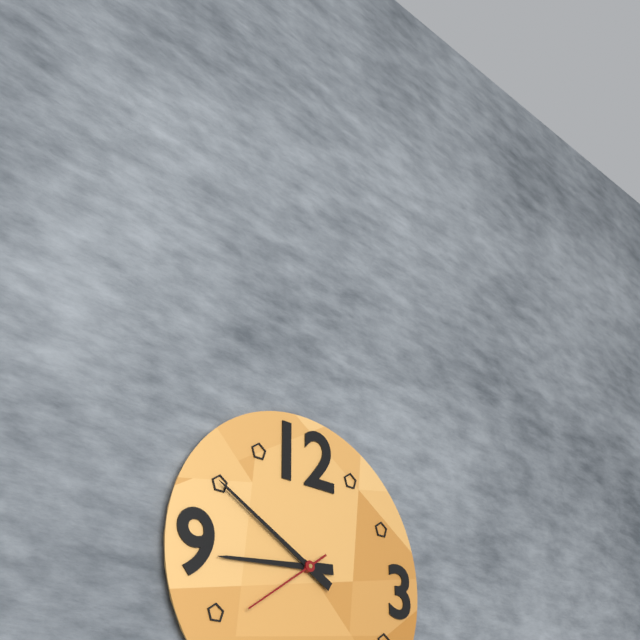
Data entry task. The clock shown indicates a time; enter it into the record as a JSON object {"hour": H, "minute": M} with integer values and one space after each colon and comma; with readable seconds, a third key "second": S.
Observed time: {"hour": 8, "minute": 50, "second": 39}
